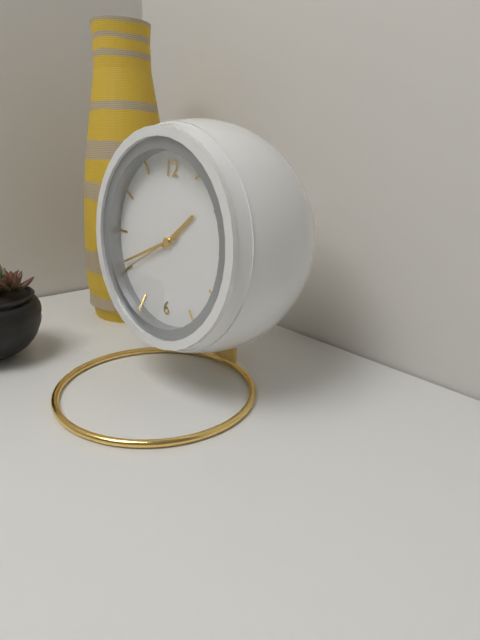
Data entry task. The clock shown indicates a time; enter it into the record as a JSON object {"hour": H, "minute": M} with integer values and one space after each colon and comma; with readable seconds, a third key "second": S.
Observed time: {"hour": 1, "minute": 41}
